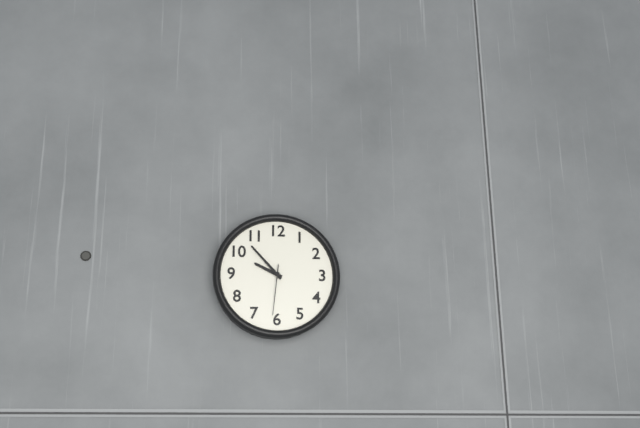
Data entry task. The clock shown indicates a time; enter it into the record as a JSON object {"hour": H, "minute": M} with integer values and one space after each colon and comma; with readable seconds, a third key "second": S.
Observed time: {"hour": 9, "minute": 53, "second": 31}
